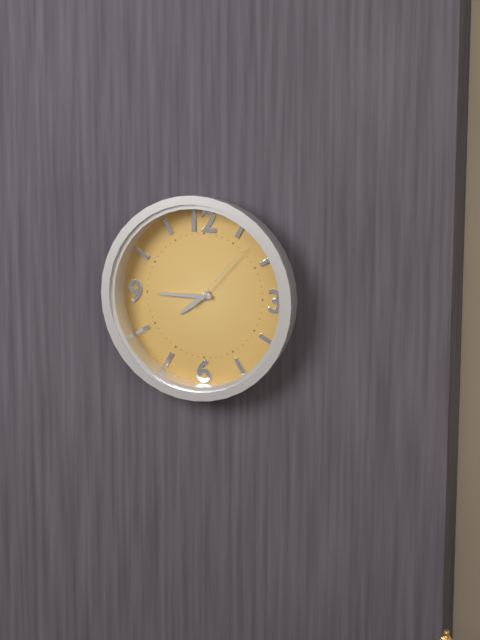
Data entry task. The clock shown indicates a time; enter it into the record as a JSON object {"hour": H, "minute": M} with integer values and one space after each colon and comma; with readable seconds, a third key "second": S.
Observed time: {"hour": 7, "minute": 45, "second": 7}
